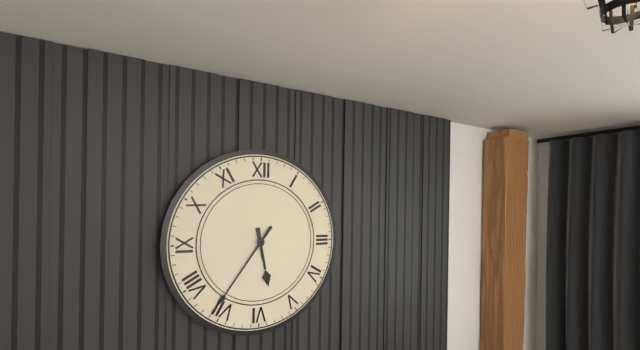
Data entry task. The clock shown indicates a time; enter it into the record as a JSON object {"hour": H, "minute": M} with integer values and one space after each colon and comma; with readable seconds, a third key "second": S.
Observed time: {"hour": 5, "minute": 36}
